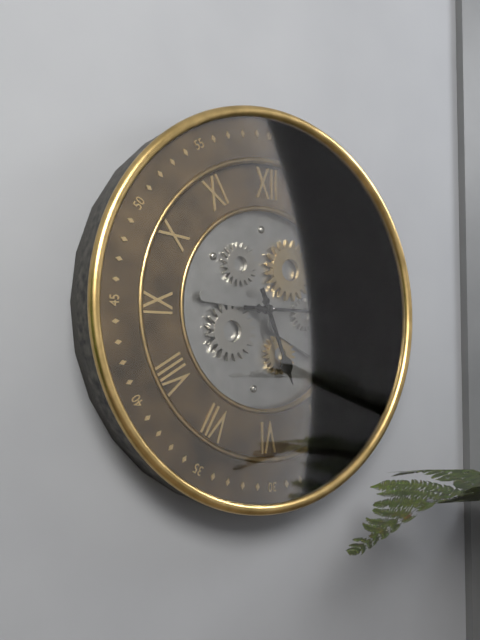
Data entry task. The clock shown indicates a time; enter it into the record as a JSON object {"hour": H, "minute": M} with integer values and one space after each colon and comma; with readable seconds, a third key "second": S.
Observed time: {"hour": 5, "minute": 15}
